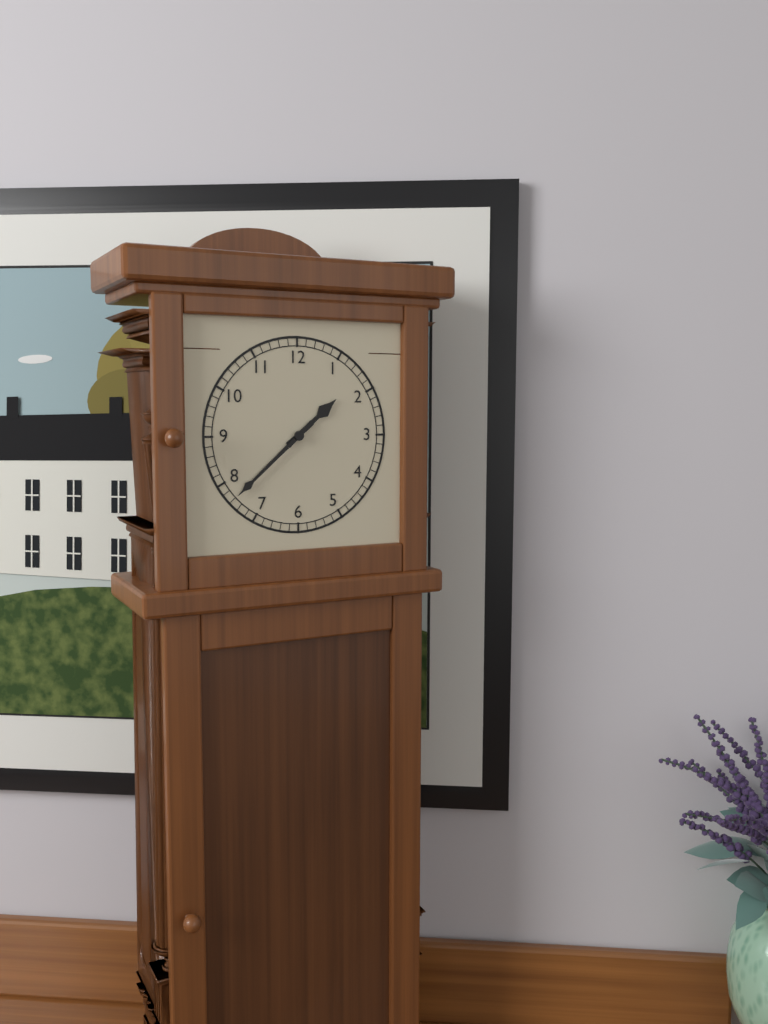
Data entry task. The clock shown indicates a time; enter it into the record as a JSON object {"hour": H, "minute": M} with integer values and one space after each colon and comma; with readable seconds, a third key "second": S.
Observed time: {"hour": 1, "minute": 38}
